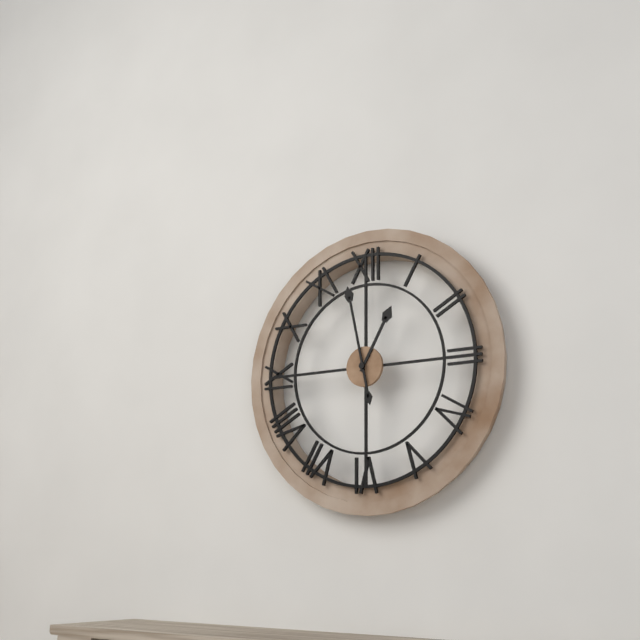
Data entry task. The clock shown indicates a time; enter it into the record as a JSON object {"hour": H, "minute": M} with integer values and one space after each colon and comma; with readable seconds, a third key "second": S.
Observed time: {"hour": 12, "minute": 58}
